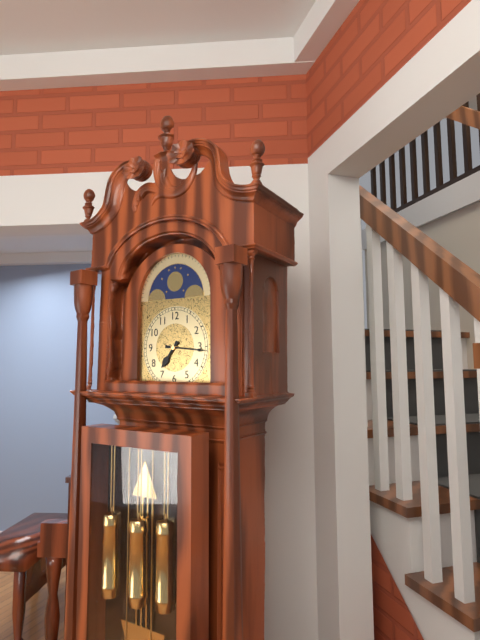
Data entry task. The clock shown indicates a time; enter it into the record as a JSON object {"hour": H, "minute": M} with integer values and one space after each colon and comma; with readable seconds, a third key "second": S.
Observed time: {"hour": 7, "minute": 16}
